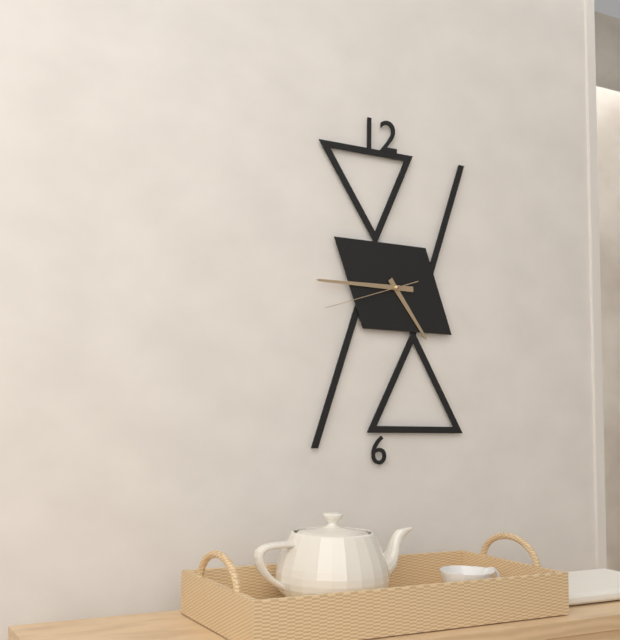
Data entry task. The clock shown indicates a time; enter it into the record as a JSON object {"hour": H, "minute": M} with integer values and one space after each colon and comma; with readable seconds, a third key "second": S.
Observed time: {"hour": 4, "minute": 45, "second": 42}
